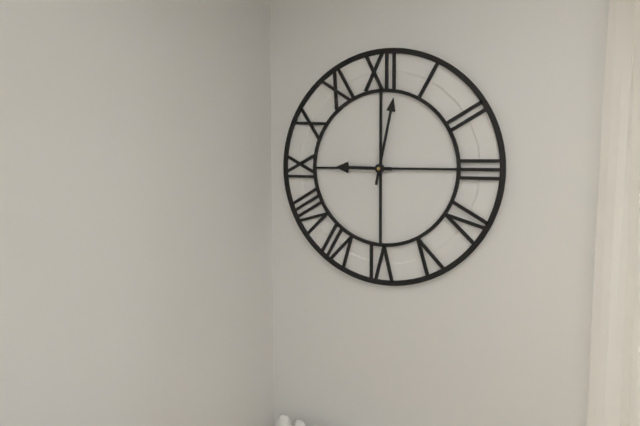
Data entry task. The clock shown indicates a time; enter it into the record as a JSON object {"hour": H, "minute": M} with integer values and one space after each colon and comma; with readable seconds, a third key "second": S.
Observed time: {"hour": 9, "minute": 2}
